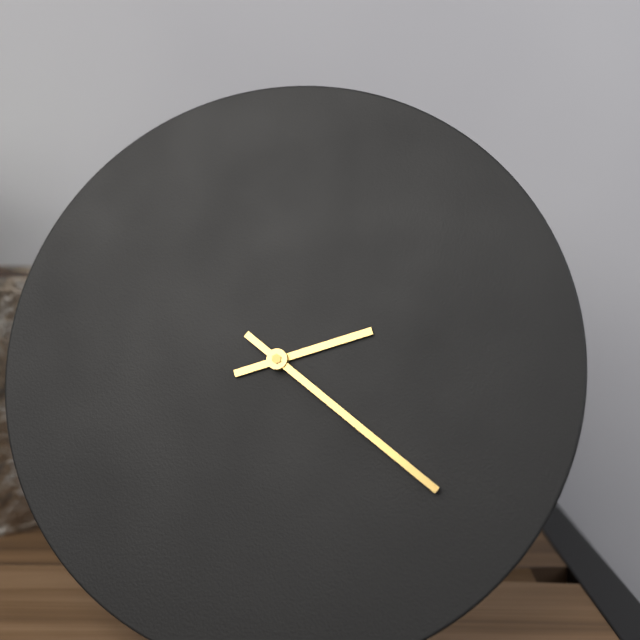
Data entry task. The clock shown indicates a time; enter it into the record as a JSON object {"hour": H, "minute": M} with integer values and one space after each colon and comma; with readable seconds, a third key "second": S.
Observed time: {"hour": 2, "minute": 21}
